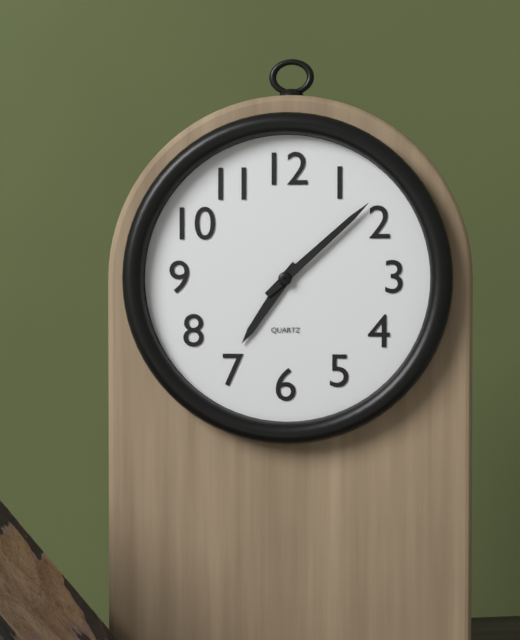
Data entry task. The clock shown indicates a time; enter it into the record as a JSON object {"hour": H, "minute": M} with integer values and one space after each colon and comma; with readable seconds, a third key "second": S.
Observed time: {"hour": 7, "minute": 8}
